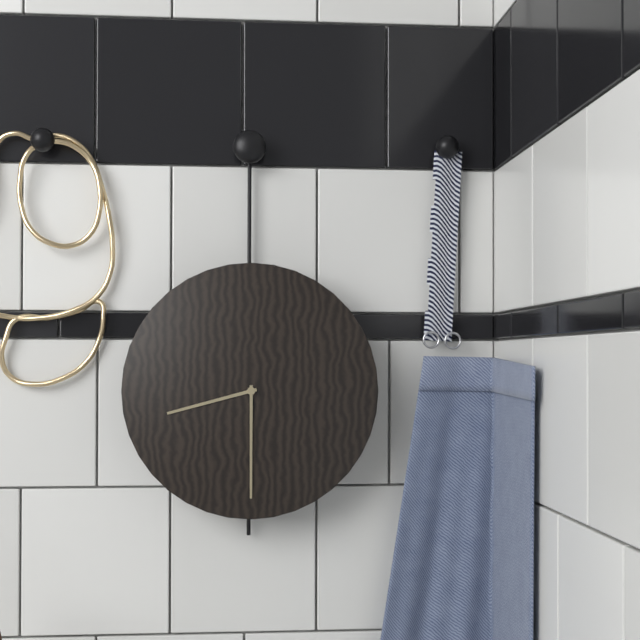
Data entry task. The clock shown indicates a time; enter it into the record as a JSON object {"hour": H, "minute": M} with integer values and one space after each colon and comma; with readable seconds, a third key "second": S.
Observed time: {"hour": 8, "minute": 30}
